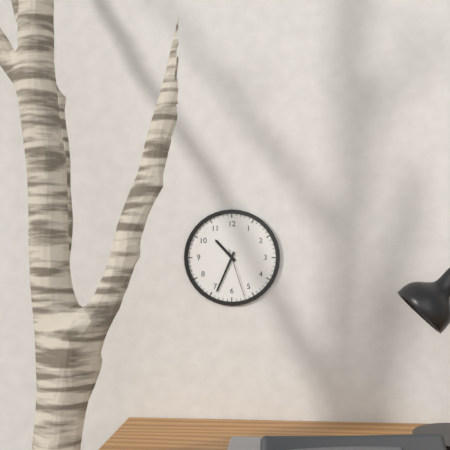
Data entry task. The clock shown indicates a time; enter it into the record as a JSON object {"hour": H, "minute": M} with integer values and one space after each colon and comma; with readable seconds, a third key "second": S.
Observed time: {"hour": 10, "minute": 34, "second": 27}
